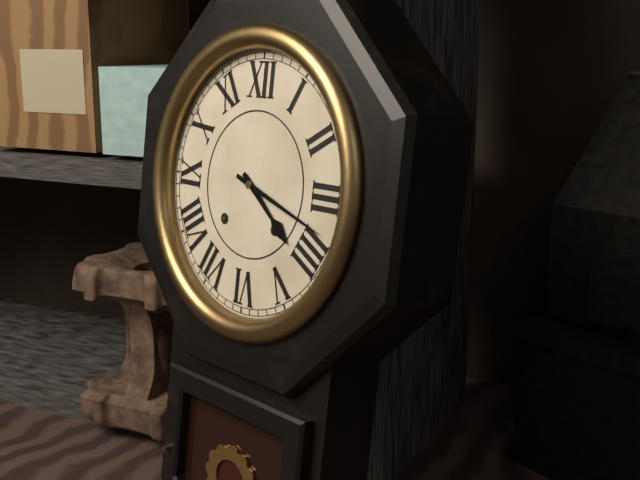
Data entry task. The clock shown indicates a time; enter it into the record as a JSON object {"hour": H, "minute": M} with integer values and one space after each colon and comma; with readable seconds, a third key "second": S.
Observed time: {"hour": 4, "minute": 18}
